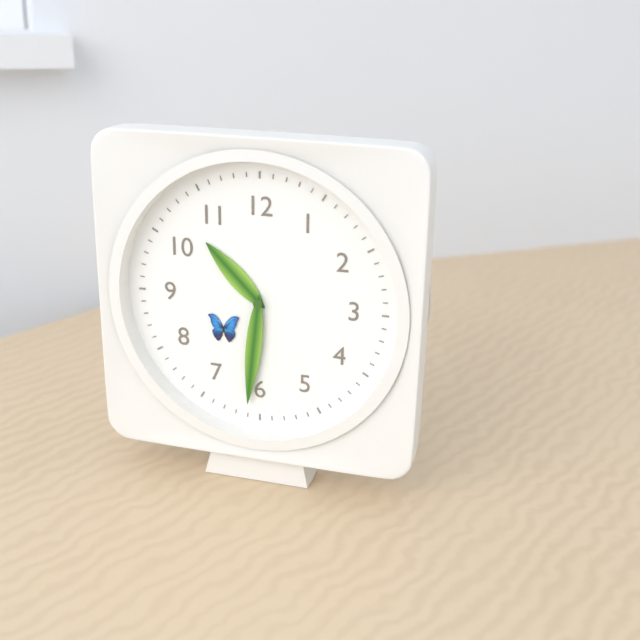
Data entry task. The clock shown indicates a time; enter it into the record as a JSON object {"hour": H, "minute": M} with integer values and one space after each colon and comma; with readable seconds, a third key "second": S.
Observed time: {"hour": 10, "minute": 31}
